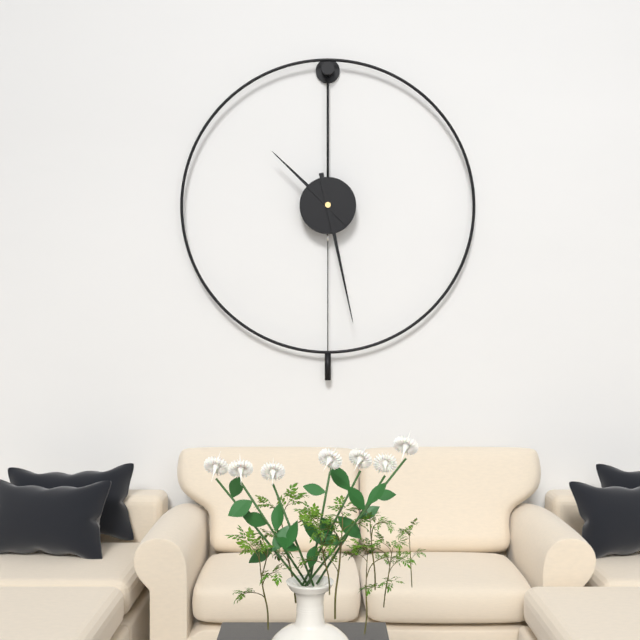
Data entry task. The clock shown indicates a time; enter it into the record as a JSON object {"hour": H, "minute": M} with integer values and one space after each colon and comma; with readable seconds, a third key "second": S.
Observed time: {"hour": 10, "minute": 28}
